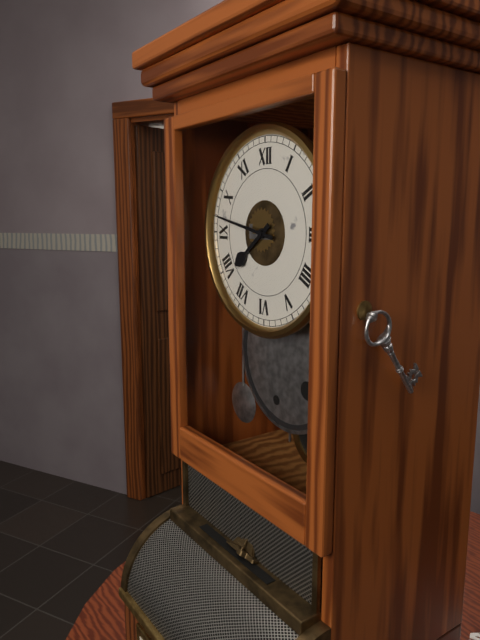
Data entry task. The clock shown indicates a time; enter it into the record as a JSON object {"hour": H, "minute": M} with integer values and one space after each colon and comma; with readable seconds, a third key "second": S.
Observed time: {"hour": 7, "minute": 47}
